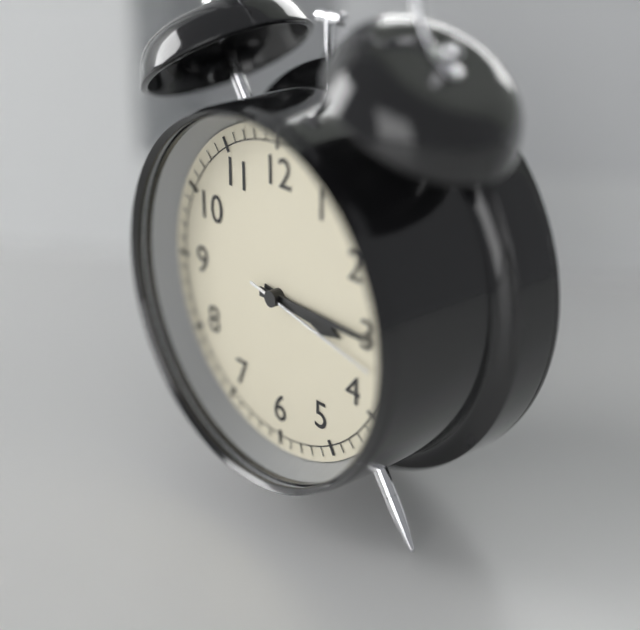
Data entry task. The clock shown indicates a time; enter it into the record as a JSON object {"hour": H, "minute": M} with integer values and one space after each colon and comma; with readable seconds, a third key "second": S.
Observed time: {"hour": 3, "minute": 15, "second": 17}
